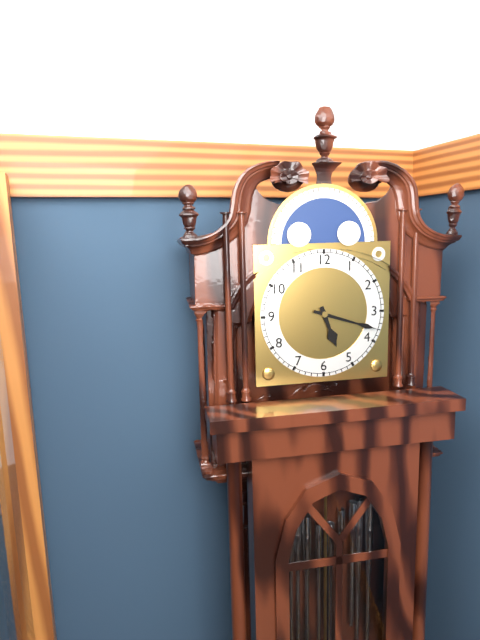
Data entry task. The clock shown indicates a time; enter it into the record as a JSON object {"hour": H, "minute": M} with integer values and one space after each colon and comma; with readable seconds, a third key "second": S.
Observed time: {"hour": 5, "minute": 18}
